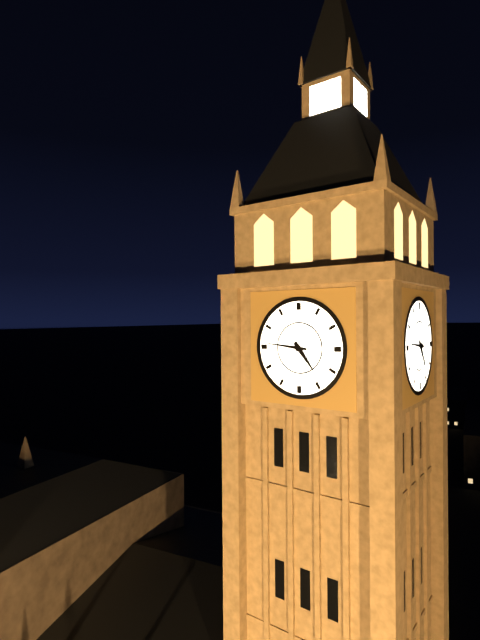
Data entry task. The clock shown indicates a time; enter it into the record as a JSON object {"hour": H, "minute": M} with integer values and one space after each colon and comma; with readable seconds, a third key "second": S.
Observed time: {"hour": 4, "minute": 46}
